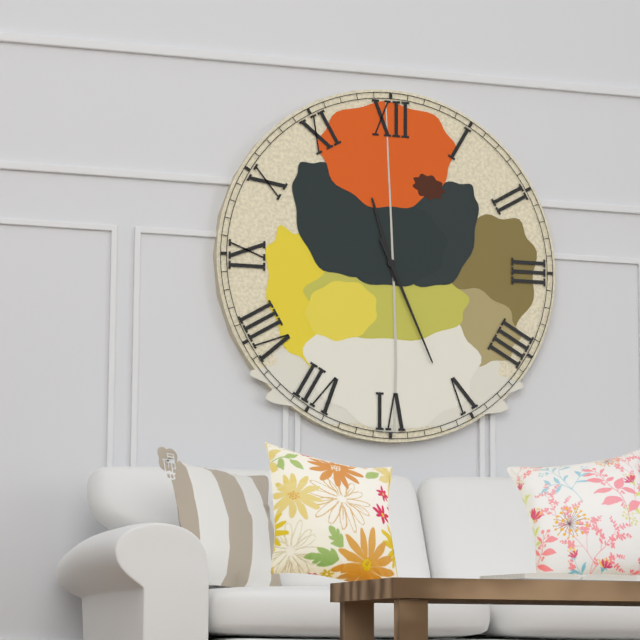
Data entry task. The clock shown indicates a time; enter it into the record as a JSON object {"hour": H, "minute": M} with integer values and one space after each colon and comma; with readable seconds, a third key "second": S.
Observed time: {"hour": 11, "minute": 26}
